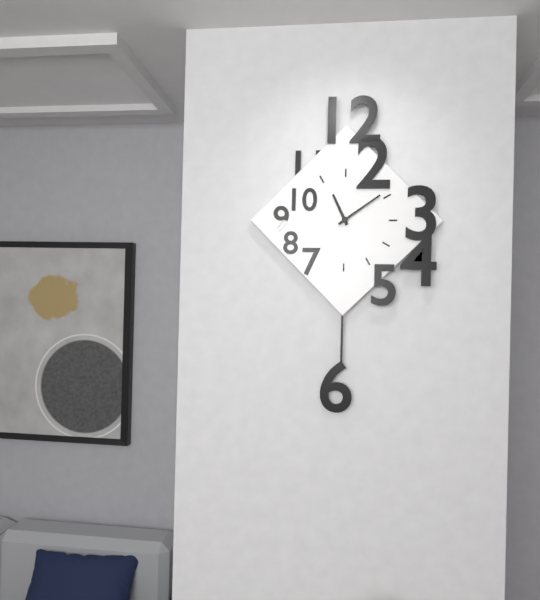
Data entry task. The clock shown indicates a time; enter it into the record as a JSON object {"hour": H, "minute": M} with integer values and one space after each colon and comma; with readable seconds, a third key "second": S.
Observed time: {"hour": 11, "minute": 9}
